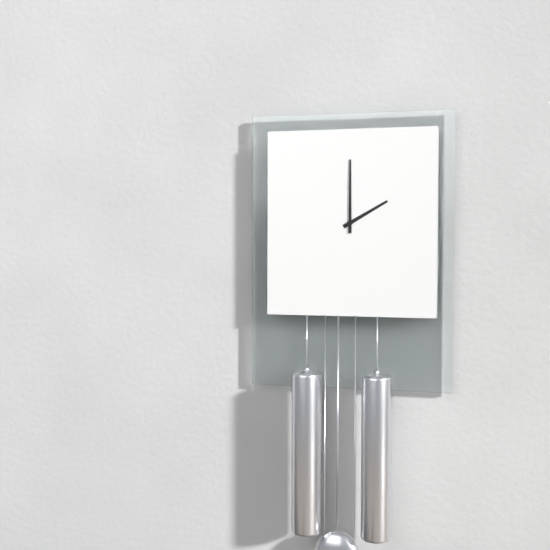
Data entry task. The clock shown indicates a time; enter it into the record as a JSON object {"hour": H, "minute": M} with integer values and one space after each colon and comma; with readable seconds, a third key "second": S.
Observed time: {"hour": 2, "minute": 0}
